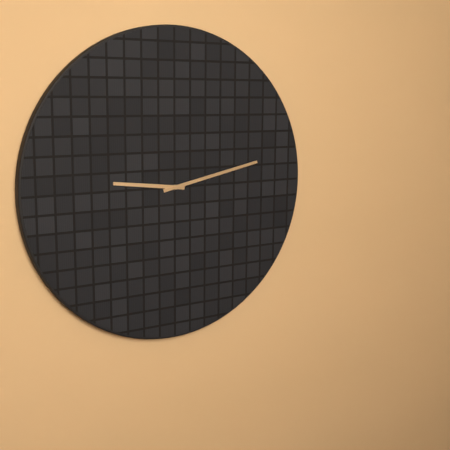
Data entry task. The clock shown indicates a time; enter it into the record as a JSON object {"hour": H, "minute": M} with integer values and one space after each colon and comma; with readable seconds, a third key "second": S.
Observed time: {"hour": 9, "minute": 13}
